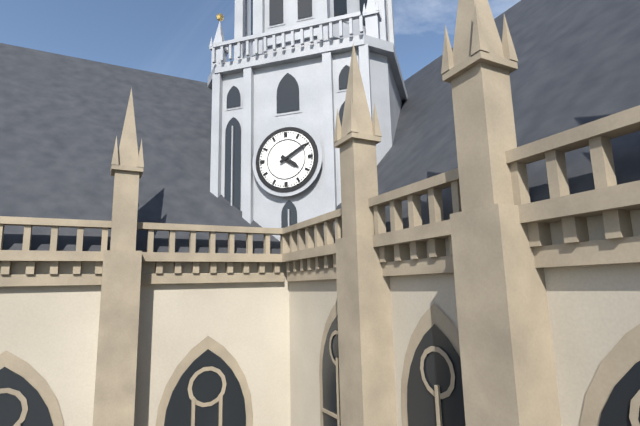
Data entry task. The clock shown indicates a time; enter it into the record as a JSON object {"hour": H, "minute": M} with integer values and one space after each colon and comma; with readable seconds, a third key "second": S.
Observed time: {"hour": 4, "minute": 10}
